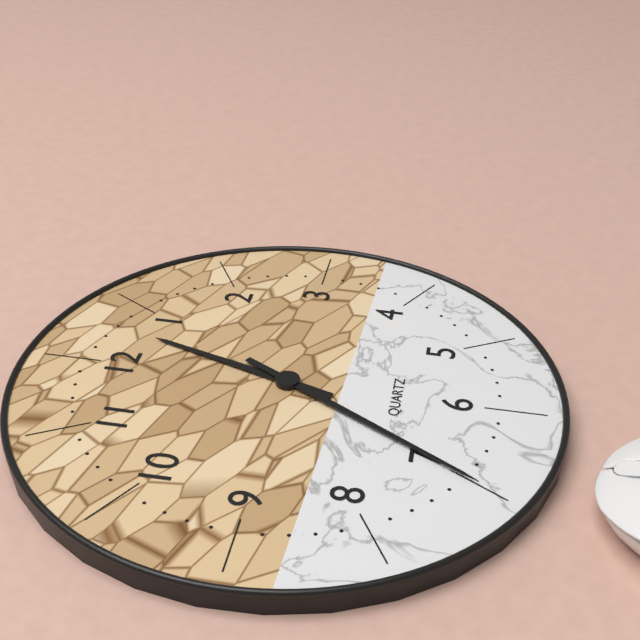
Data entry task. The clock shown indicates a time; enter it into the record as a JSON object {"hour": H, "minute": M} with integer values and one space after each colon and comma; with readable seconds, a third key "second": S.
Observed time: {"hour": 12, "minute": 35}
